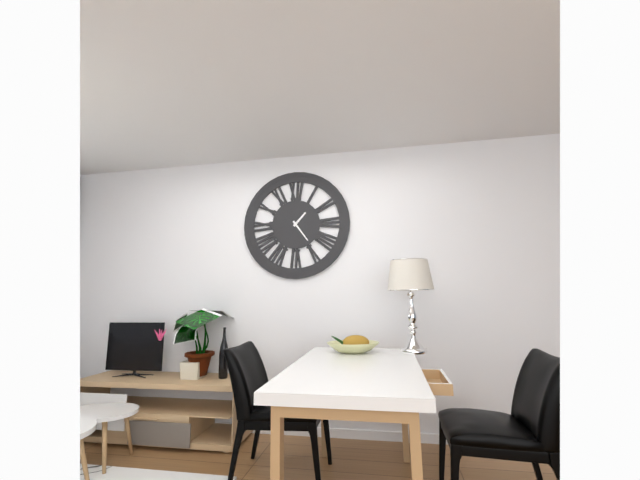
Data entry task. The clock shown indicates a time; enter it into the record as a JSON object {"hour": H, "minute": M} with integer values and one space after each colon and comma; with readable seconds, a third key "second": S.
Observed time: {"hour": 1, "minute": 24}
